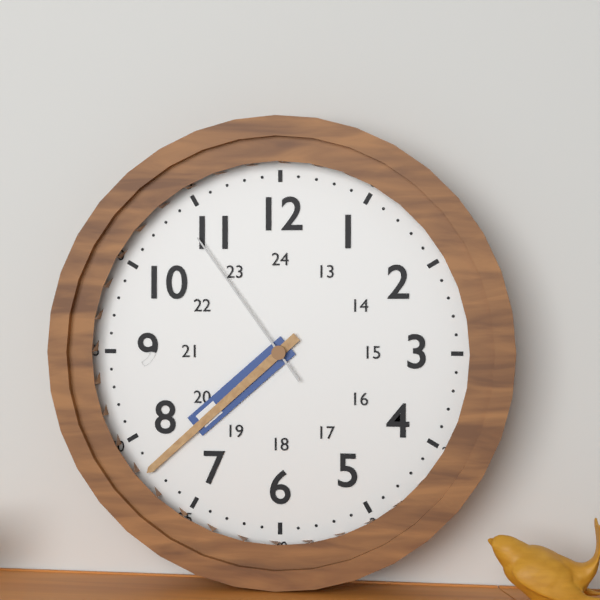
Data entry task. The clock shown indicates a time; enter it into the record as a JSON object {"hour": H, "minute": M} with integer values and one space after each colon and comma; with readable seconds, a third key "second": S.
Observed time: {"hour": 7, "minute": 38, "second": 54}
